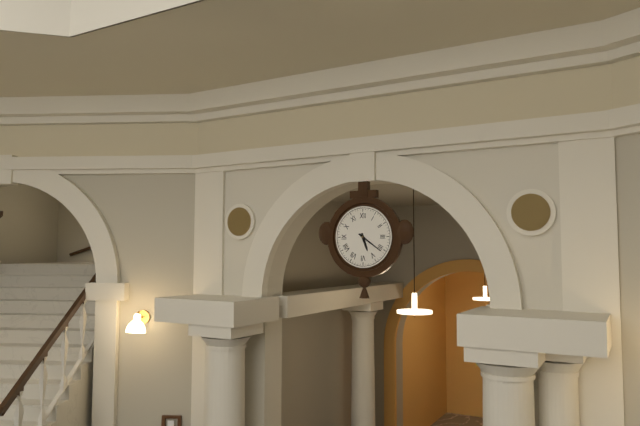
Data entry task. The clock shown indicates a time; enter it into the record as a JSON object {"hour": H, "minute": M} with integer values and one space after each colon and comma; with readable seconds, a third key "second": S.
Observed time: {"hour": 5, "minute": 21}
